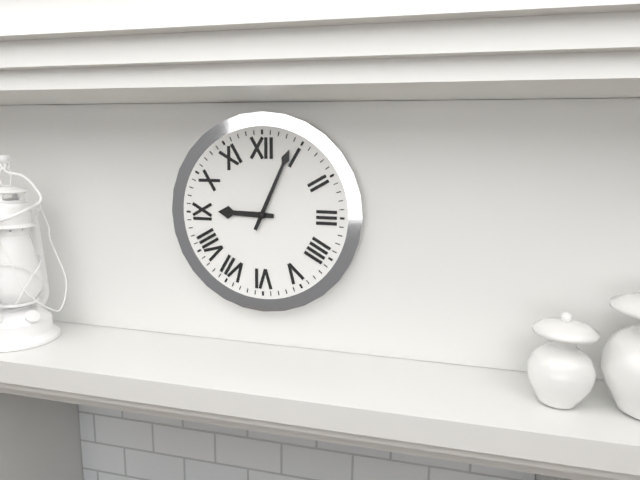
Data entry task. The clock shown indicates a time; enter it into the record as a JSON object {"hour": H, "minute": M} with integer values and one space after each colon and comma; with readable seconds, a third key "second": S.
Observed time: {"hour": 9, "minute": 4}
